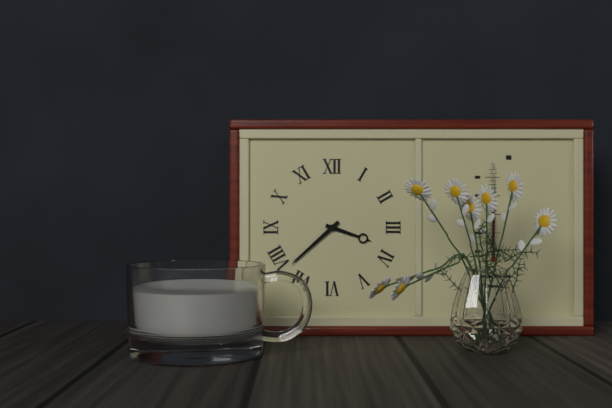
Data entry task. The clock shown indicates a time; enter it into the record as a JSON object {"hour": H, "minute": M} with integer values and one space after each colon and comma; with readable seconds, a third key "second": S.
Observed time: {"hour": 3, "minute": 38}
